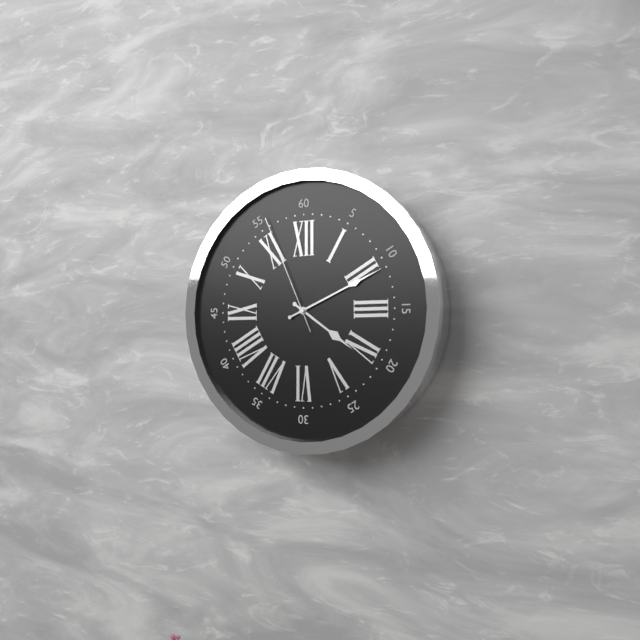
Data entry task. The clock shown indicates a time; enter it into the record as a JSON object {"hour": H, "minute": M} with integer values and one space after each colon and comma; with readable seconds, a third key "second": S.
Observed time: {"hour": 4, "minute": 11, "second": 56}
